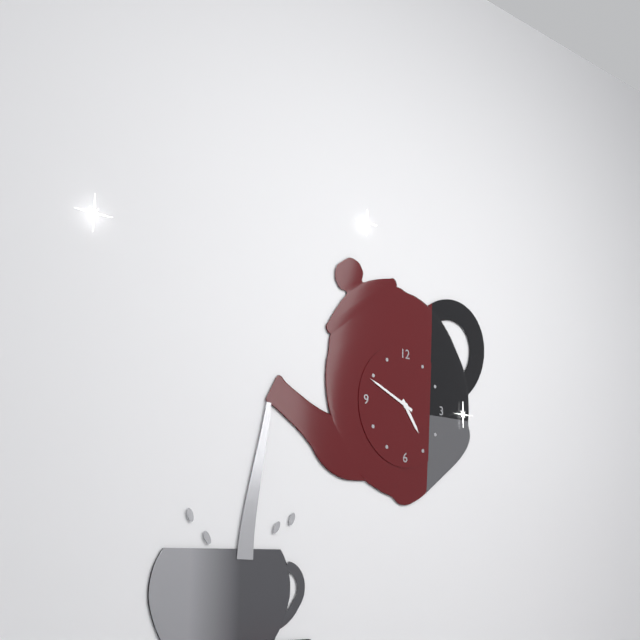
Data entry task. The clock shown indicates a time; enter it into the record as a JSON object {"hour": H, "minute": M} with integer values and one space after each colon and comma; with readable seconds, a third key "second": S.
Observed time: {"hour": 4, "minute": 49}
